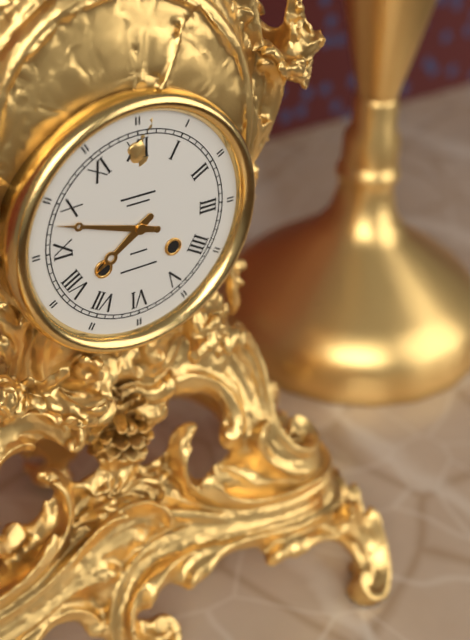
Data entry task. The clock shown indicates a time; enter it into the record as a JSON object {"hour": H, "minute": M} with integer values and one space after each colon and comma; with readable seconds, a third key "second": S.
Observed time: {"hour": 7, "minute": 48}
